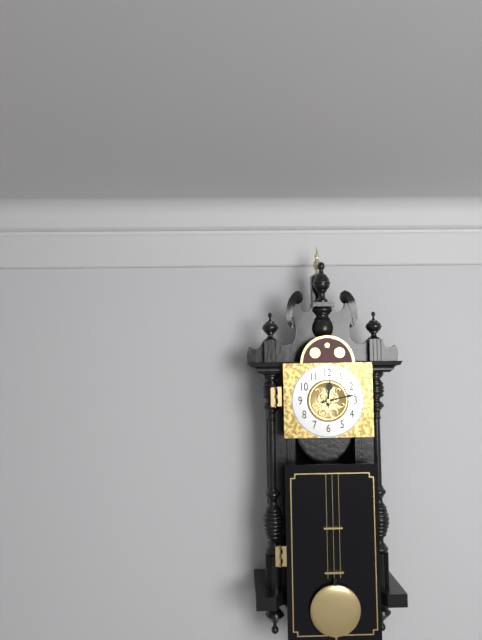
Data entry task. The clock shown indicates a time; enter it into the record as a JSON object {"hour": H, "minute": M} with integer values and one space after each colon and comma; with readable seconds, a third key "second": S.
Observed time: {"hour": 12, "minute": 13}
